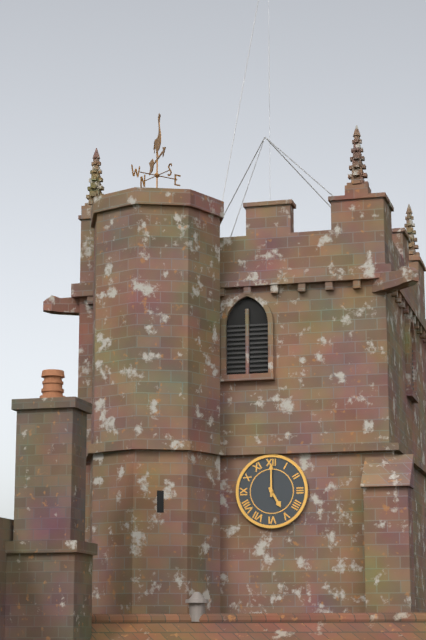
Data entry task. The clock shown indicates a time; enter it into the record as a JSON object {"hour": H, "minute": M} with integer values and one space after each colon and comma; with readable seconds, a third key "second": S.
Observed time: {"hour": 5, "minute": 0}
